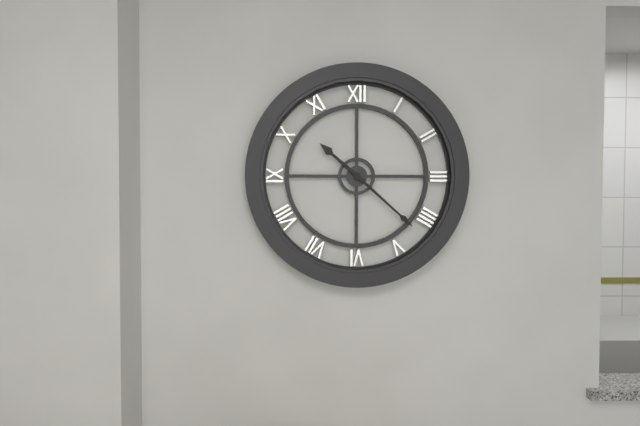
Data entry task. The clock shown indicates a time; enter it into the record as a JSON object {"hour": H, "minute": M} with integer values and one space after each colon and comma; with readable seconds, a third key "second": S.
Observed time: {"hour": 10, "minute": 22}
